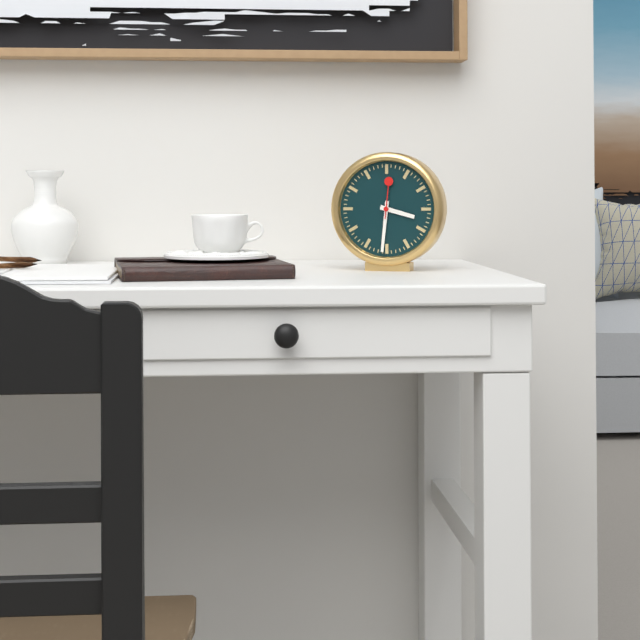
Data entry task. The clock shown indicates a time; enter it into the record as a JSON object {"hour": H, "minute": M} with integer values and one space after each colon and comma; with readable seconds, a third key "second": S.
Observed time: {"hour": 3, "minute": 31}
